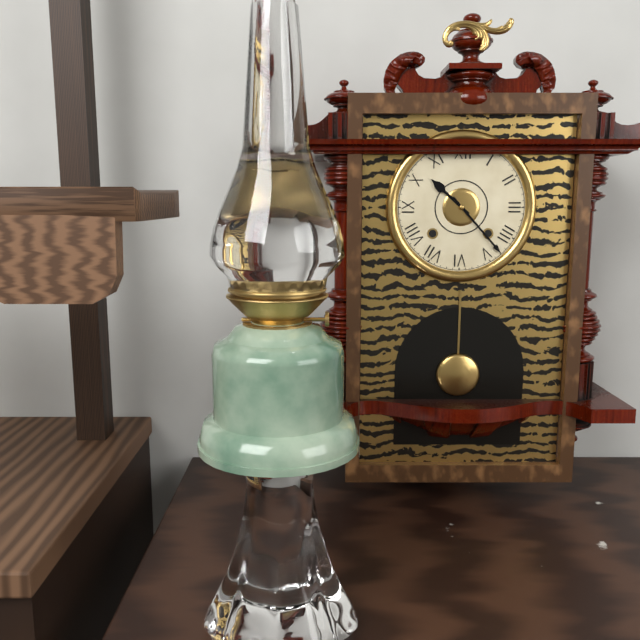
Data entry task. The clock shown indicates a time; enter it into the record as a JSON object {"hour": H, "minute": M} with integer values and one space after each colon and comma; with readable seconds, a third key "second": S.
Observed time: {"hour": 10, "minute": 23}
